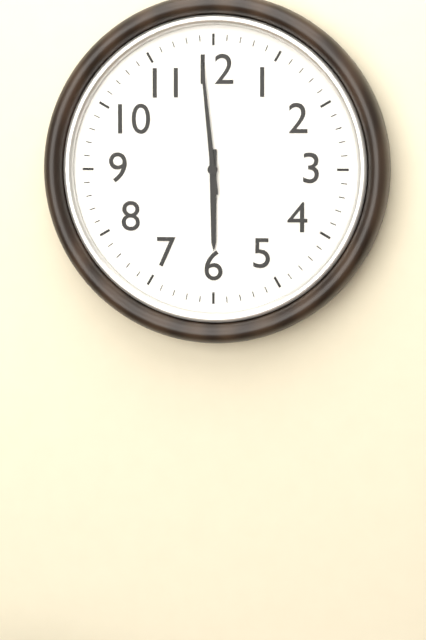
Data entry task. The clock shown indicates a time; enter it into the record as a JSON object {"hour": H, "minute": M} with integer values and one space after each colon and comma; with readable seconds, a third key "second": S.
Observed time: {"hour": 5, "minute": 59}
